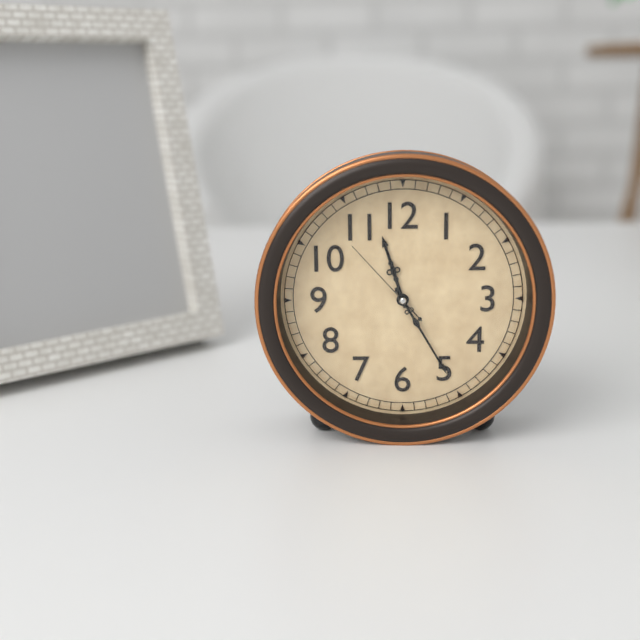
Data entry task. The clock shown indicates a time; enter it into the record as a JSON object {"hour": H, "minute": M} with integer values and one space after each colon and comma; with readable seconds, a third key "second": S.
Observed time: {"hour": 11, "minute": 25, "second": 53}
